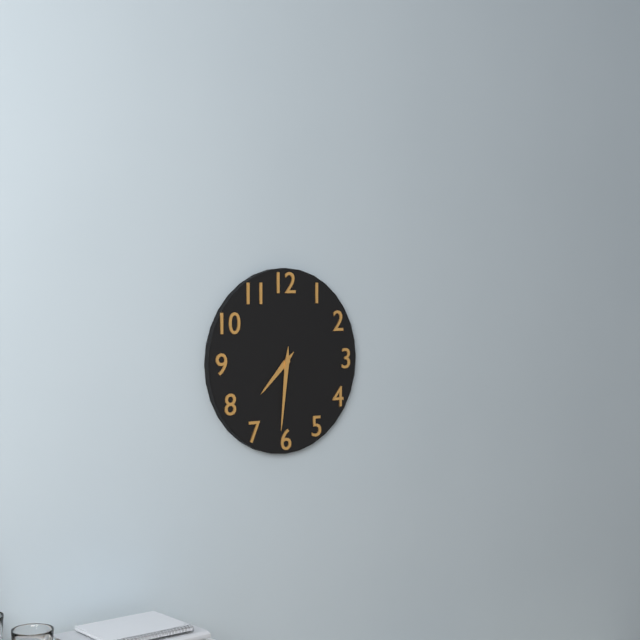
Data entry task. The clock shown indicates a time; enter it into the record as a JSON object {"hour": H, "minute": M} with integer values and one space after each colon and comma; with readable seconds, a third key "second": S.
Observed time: {"hour": 7, "minute": 31}
